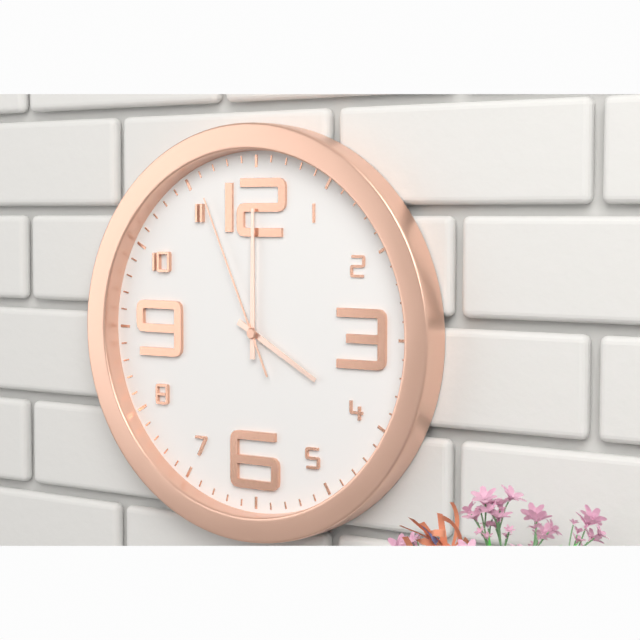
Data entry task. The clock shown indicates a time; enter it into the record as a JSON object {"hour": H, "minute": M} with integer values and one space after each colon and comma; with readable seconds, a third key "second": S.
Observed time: {"hour": 4, "minute": 0, "second": 56}
